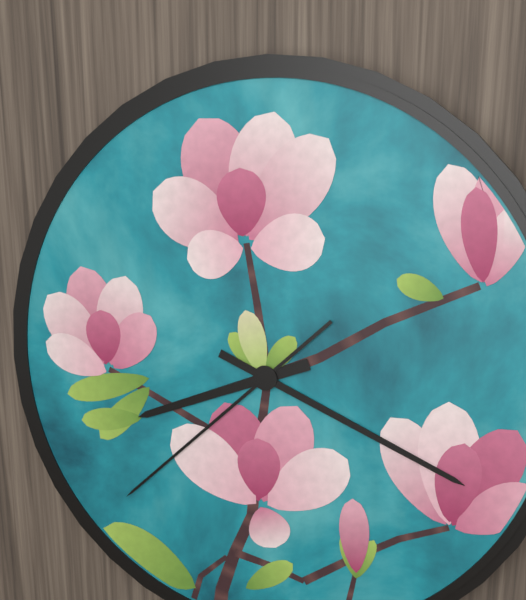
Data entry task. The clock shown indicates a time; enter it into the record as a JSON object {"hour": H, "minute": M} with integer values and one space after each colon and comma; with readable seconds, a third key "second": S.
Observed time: {"hour": 8, "minute": 19, "second": 38}
